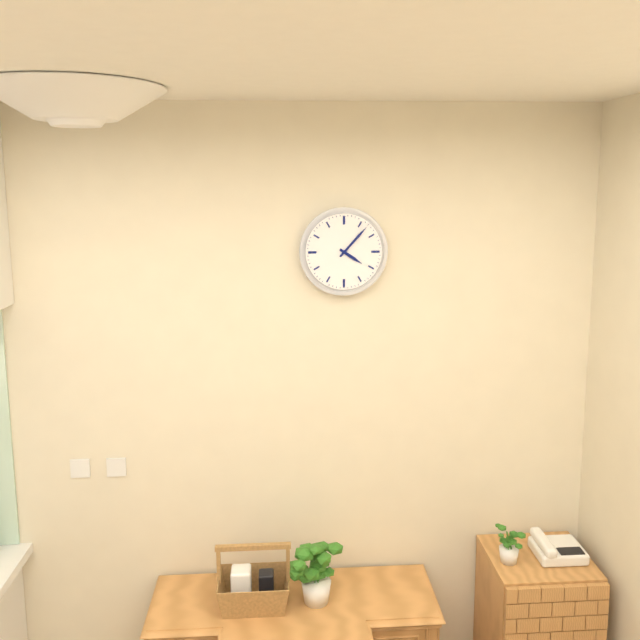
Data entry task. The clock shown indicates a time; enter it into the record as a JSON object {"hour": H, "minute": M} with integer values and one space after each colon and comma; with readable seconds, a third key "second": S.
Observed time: {"hour": 4, "minute": 7}
